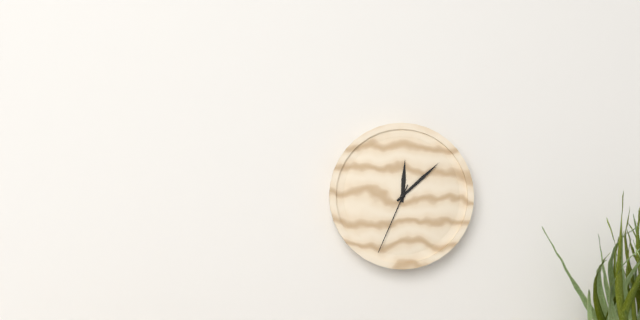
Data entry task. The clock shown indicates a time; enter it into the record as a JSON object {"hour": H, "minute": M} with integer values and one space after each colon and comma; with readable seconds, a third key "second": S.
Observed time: {"hour": 12, "minute": 8, "second": 34}
